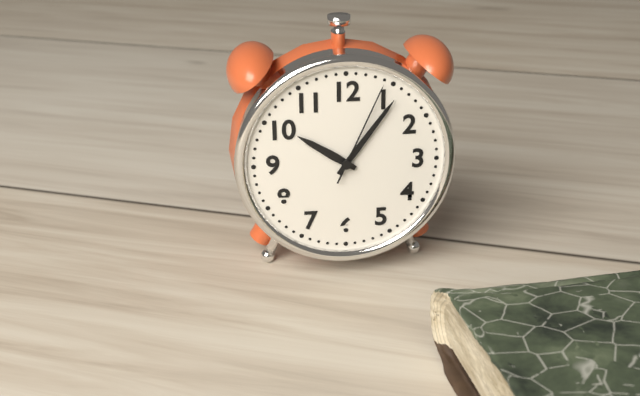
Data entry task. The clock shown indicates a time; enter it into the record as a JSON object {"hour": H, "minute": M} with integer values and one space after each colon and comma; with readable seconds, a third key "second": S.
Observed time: {"hour": 10, "minute": 6, "second": 4}
